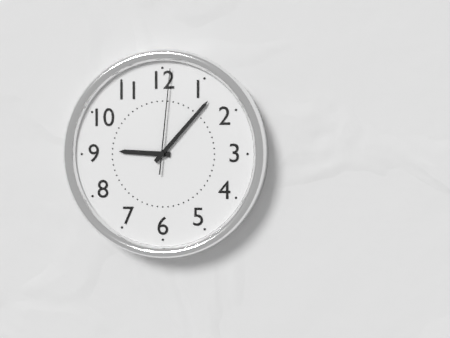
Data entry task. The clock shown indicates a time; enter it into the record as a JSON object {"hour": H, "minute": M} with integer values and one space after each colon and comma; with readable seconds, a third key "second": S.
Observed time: {"hour": 9, "minute": 7, "second": 1}
